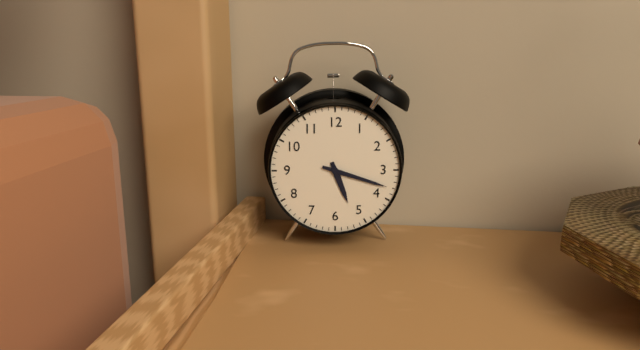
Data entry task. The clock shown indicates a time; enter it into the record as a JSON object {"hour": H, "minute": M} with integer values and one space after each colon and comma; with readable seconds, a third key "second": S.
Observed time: {"hour": 5, "minute": 18}
